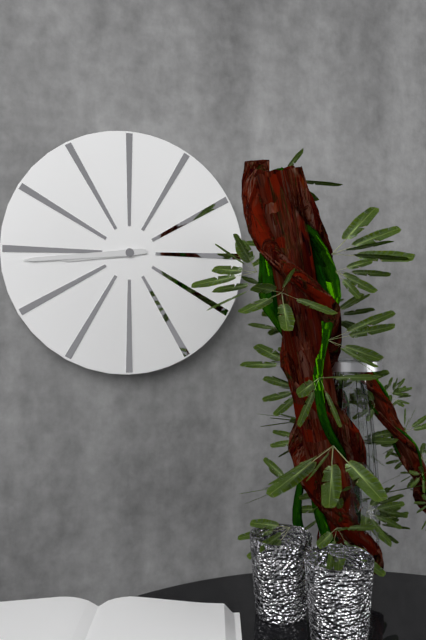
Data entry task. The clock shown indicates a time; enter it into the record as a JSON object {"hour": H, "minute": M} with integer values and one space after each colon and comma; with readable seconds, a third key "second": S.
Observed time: {"hour": 8, "minute": 44}
